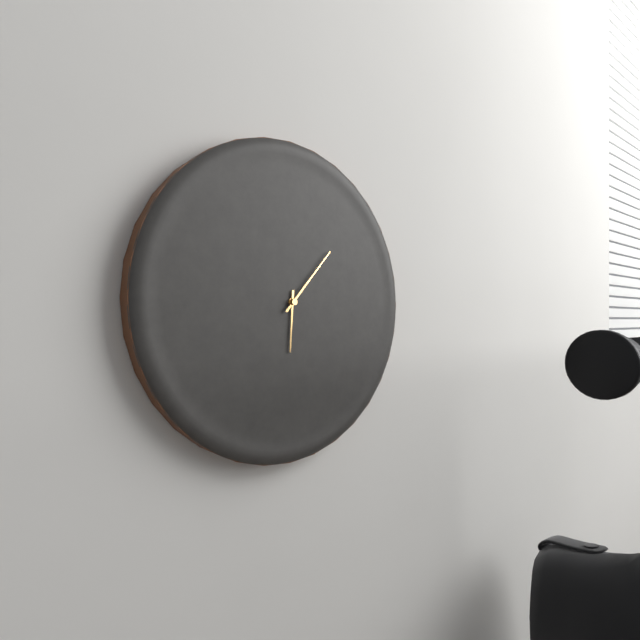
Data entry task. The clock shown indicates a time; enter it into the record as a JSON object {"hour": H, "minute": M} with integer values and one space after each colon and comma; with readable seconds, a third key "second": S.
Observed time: {"hour": 6, "minute": 7}
